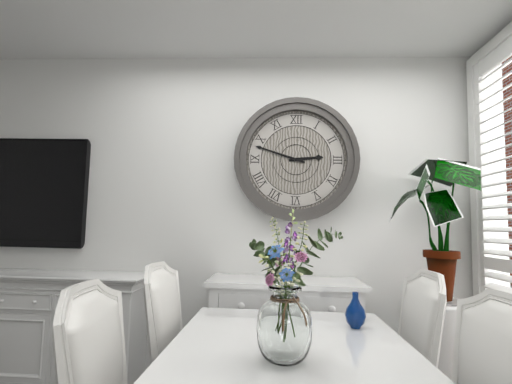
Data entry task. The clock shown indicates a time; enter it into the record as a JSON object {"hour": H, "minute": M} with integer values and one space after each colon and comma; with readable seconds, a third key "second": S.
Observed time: {"hour": 2, "minute": 48}
